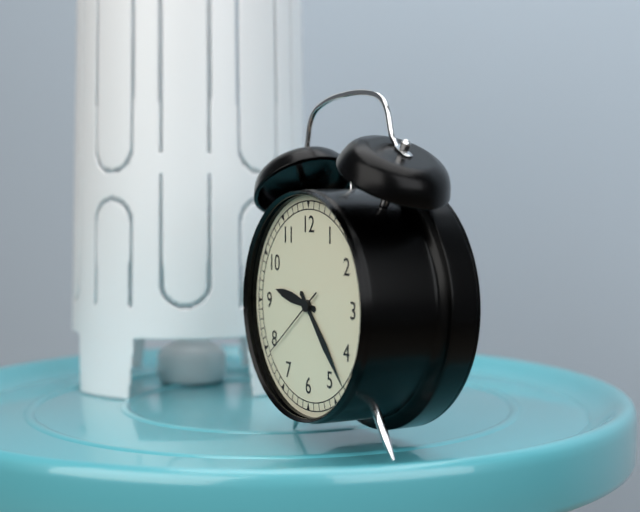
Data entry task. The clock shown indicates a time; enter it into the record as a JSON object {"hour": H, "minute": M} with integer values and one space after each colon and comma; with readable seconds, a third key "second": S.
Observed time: {"hour": 9, "minute": 23, "second": 39}
